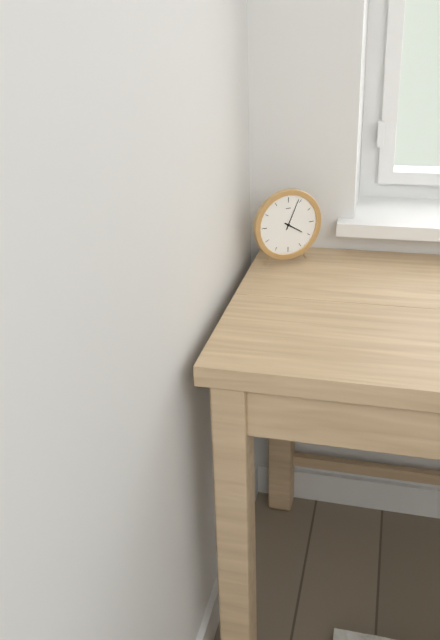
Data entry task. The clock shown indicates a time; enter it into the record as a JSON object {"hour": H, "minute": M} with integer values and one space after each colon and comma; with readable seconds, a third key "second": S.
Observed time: {"hour": 4, "minute": 4}
